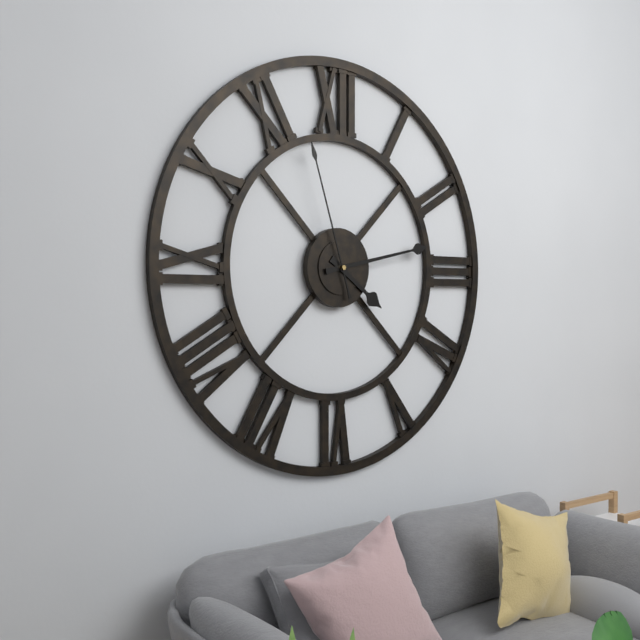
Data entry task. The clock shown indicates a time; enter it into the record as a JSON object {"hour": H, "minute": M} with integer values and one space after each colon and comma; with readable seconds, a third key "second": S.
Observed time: {"hour": 4, "minute": 13, "second": 57}
